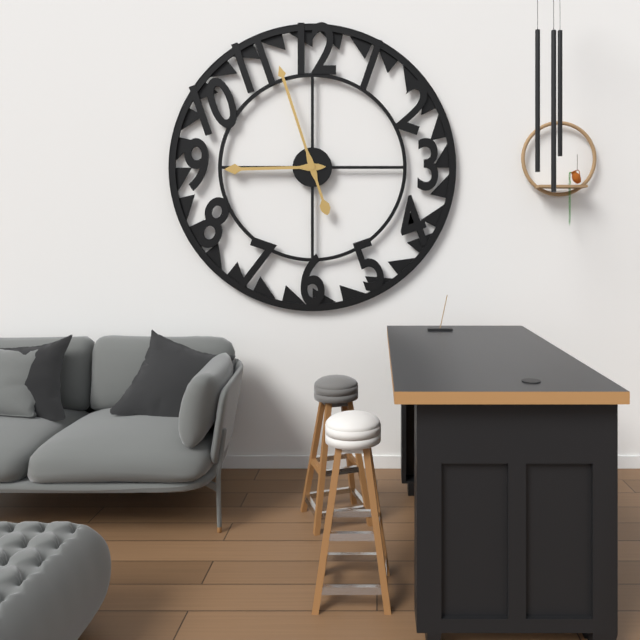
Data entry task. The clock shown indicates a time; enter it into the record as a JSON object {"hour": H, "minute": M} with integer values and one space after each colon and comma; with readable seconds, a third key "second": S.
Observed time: {"hour": 8, "minute": 57}
